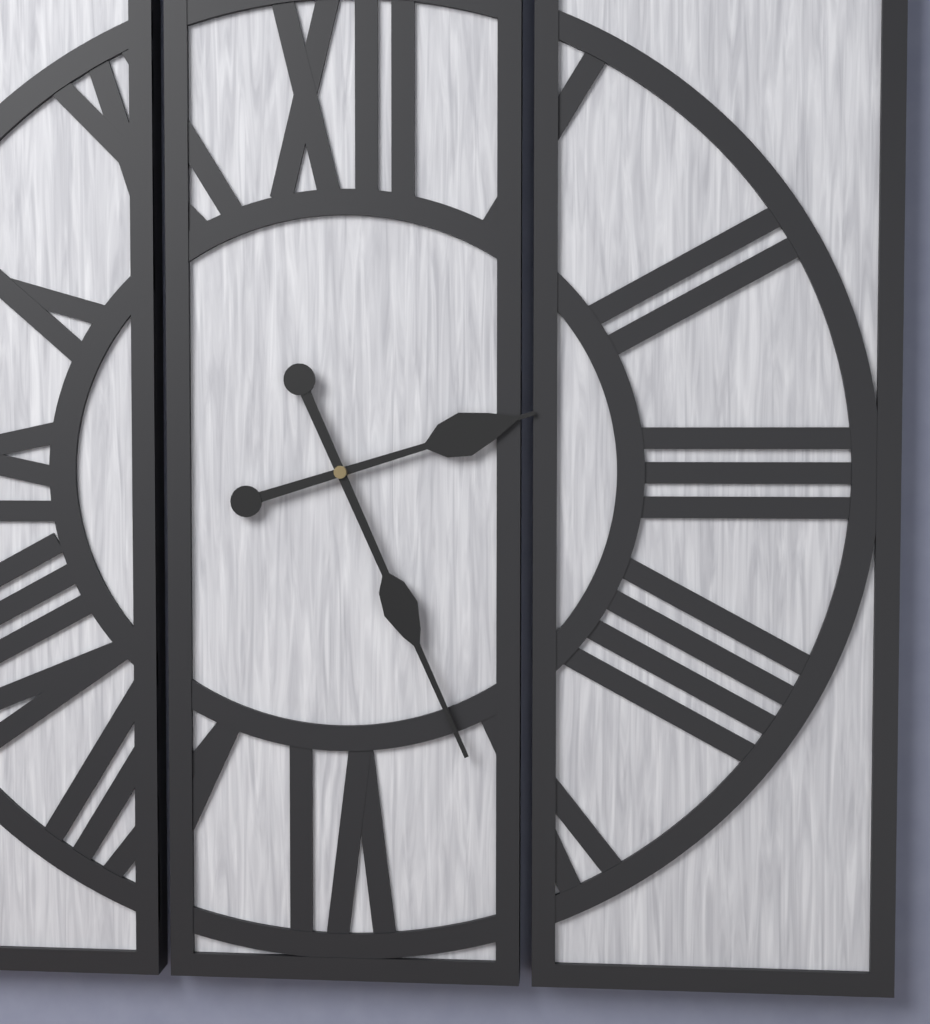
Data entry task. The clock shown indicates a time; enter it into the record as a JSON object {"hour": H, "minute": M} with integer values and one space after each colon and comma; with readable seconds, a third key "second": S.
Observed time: {"hour": 2, "minute": 26}
